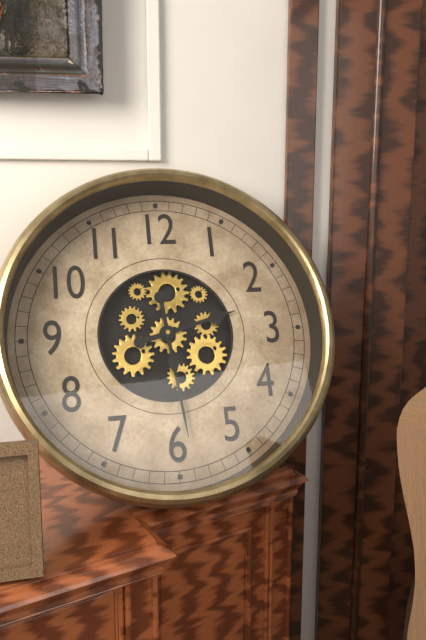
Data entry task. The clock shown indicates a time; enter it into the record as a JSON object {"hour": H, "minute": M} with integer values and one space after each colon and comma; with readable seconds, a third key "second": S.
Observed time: {"hour": 2, "minute": 29}
